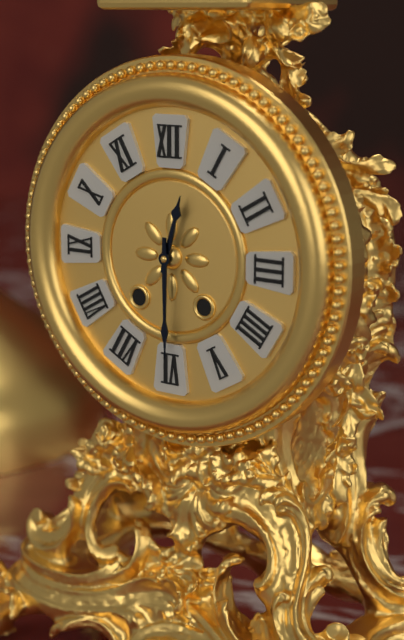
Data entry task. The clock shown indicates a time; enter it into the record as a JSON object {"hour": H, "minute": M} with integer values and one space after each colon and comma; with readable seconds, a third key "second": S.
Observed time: {"hour": 12, "minute": 30}
